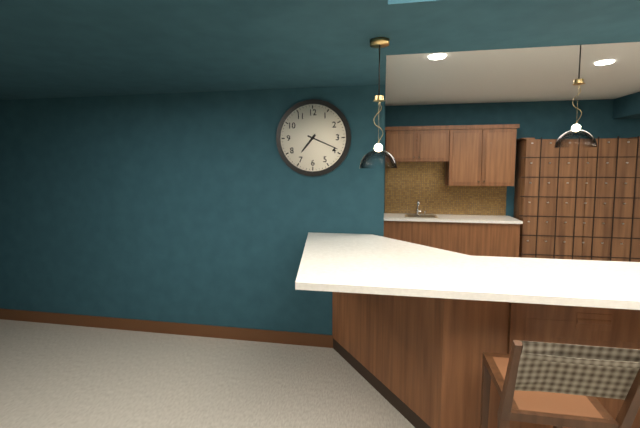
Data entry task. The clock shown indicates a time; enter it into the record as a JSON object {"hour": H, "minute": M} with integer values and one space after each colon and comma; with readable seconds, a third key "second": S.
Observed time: {"hour": 7, "minute": 19}
